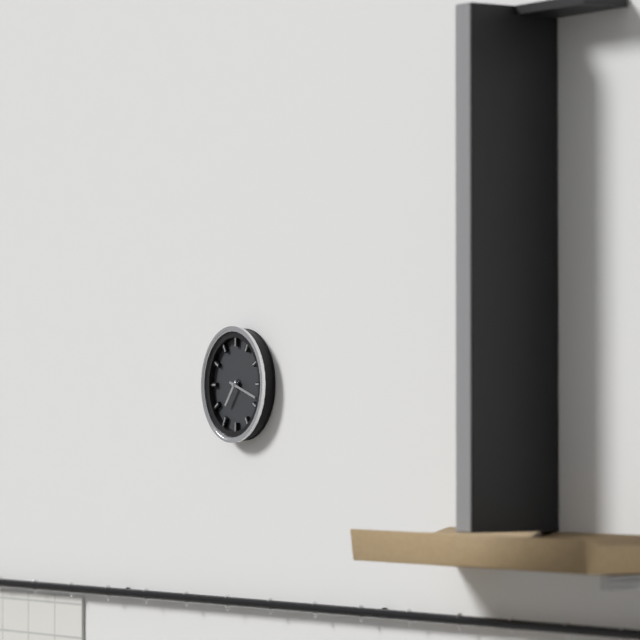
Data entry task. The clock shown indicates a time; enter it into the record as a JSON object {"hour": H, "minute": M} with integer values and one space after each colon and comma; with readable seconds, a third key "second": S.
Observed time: {"hour": 7, "minute": 18}
